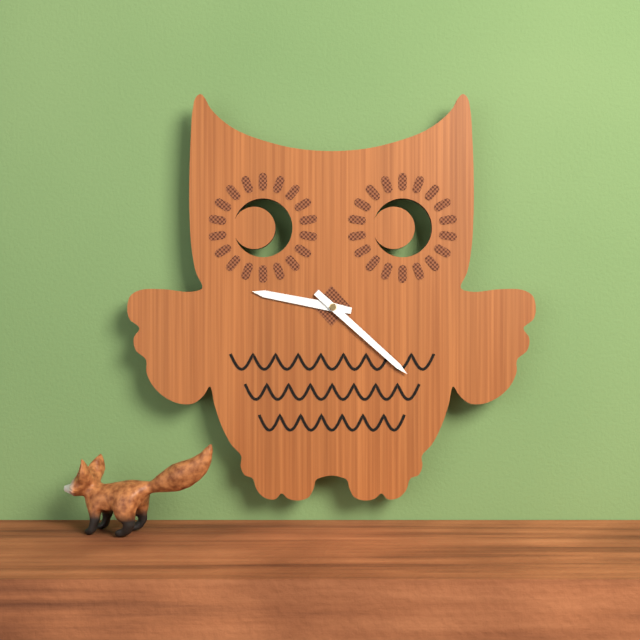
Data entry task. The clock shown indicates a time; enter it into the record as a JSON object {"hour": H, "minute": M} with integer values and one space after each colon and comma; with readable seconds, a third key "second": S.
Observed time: {"hour": 9, "minute": 22}
